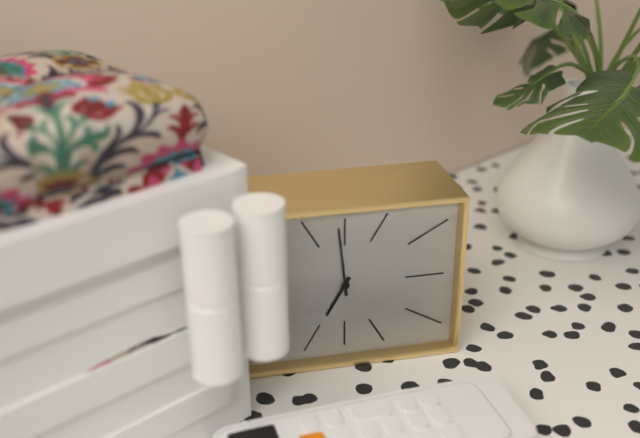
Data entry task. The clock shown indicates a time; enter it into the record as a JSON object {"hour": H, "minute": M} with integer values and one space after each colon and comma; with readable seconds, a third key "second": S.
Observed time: {"hour": 6, "minute": 59}
